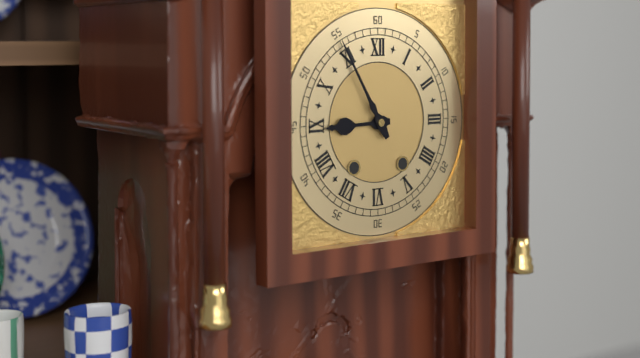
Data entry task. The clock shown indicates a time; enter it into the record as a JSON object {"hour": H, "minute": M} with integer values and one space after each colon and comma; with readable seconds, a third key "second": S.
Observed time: {"hour": 8, "minute": 55}
